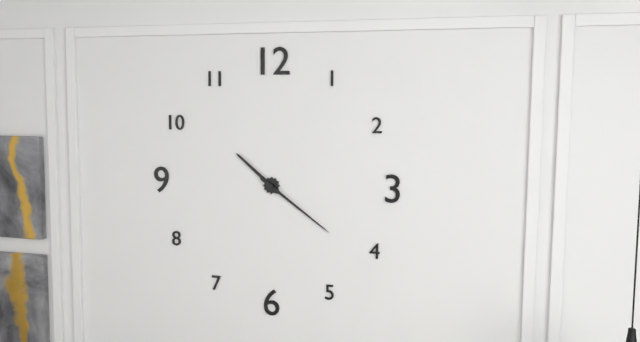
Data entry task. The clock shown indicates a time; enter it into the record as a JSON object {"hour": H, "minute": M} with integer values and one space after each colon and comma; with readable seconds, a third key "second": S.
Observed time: {"hour": 10, "minute": 21}
